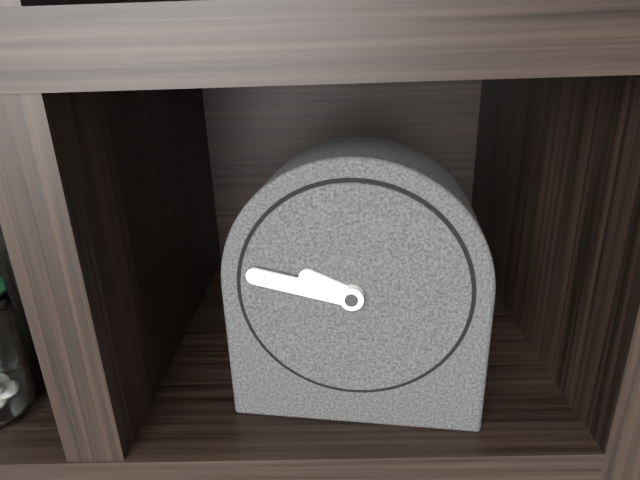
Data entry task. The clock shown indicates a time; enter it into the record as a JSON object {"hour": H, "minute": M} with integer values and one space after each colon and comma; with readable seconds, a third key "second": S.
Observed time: {"hour": 9, "minute": 47}
